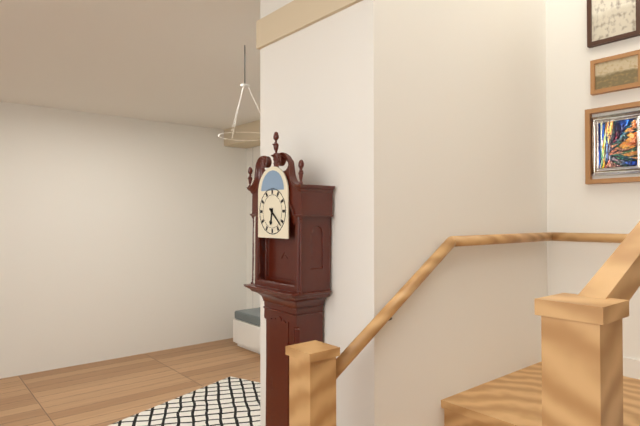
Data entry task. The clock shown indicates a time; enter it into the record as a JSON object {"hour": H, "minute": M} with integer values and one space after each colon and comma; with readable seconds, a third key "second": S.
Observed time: {"hour": 6, "minute": 22}
